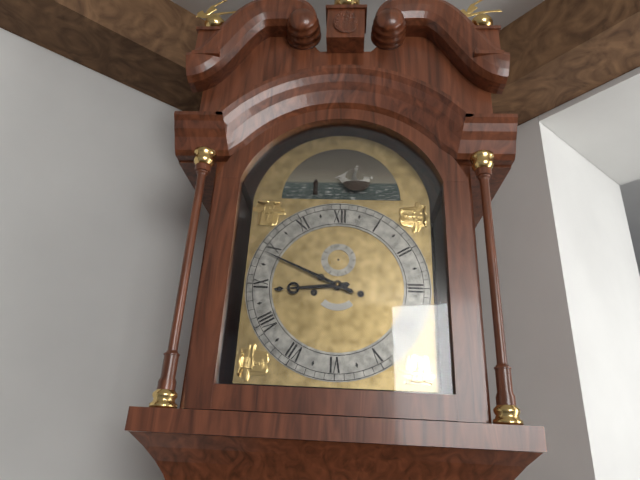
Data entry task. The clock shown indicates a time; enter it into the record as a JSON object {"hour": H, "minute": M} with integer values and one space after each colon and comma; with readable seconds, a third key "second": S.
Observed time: {"hour": 8, "minute": 49}
